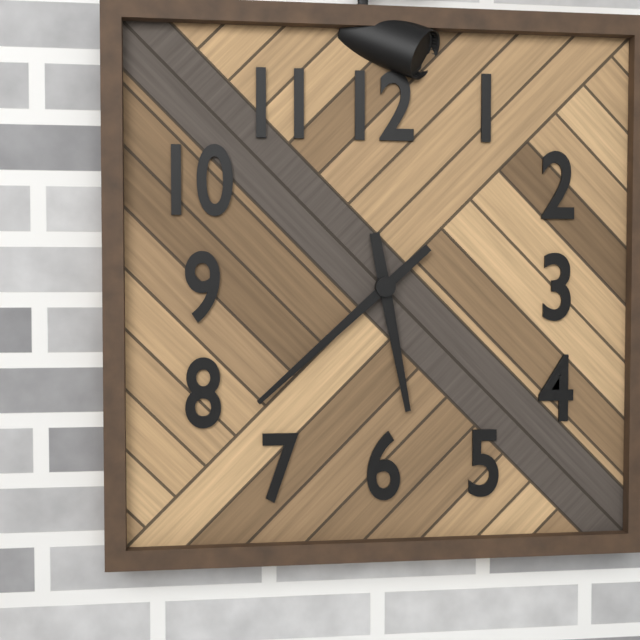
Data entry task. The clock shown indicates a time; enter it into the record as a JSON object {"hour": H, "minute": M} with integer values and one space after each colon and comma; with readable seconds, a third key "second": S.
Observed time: {"hour": 5, "minute": 38}
